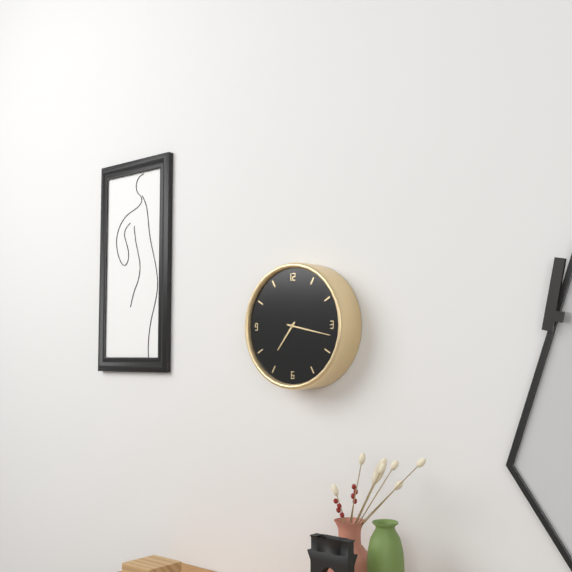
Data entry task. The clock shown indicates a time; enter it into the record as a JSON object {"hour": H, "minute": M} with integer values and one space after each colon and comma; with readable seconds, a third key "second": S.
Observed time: {"hour": 7, "minute": 17}
